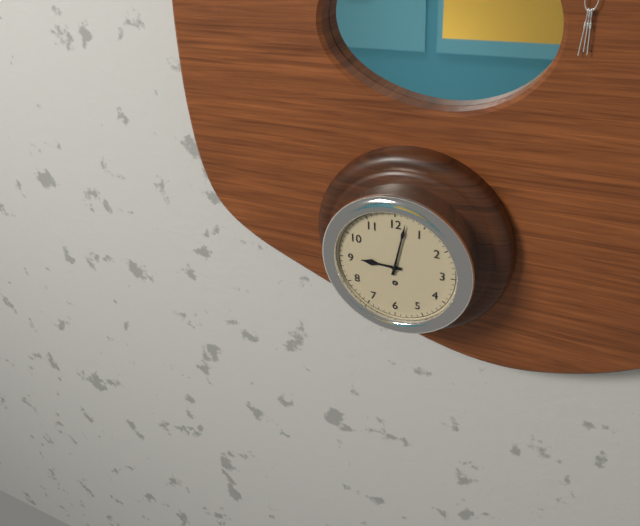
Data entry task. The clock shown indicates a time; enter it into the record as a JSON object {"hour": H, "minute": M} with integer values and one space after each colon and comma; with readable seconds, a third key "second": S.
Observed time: {"hour": 9, "minute": 2}
